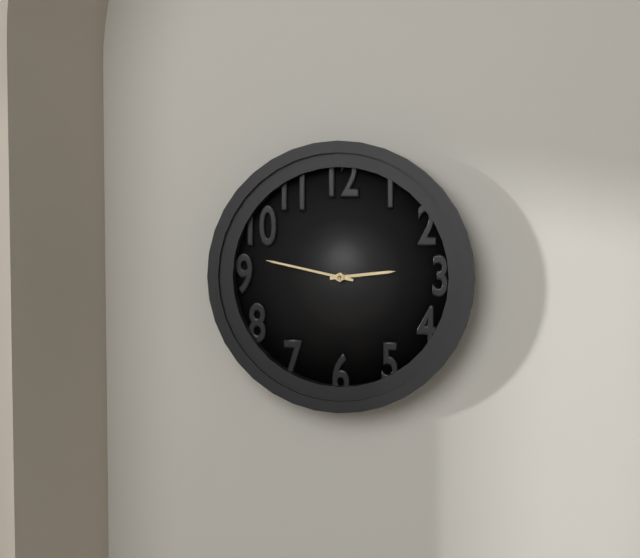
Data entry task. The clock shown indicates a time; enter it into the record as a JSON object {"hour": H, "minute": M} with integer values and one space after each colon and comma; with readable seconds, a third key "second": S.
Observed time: {"hour": 2, "minute": 47}
